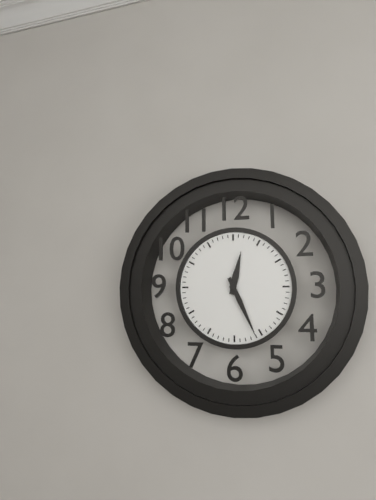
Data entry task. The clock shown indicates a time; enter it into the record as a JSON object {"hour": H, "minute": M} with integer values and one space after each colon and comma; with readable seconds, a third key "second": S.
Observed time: {"hour": 12, "minute": 26}
